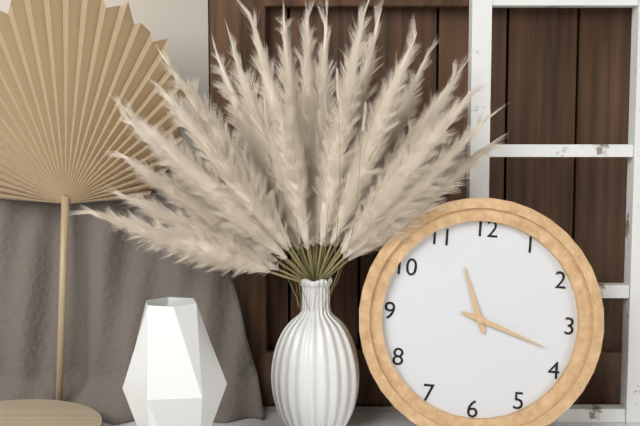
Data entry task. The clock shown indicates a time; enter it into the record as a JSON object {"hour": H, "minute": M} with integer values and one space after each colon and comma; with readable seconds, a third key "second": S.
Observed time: {"hour": 11, "minute": 18}
